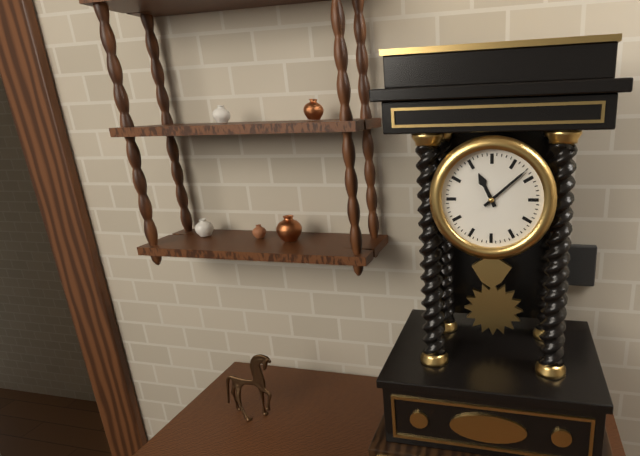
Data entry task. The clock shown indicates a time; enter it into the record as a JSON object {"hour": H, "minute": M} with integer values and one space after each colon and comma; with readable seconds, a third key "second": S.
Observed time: {"hour": 11, "minute": 8}
